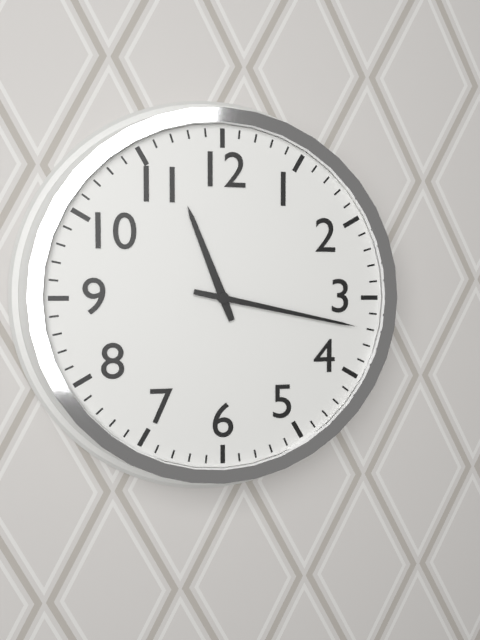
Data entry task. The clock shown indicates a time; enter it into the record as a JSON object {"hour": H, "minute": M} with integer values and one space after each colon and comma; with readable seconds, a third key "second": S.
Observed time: {"hour": 11, "minute": 17}
